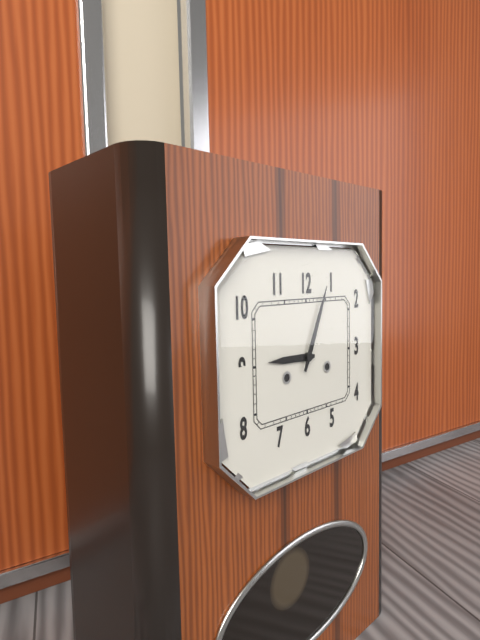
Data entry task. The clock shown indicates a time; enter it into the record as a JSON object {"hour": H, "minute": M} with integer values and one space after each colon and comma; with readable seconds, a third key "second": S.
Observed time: {"hour": 9, "minute": 4}
